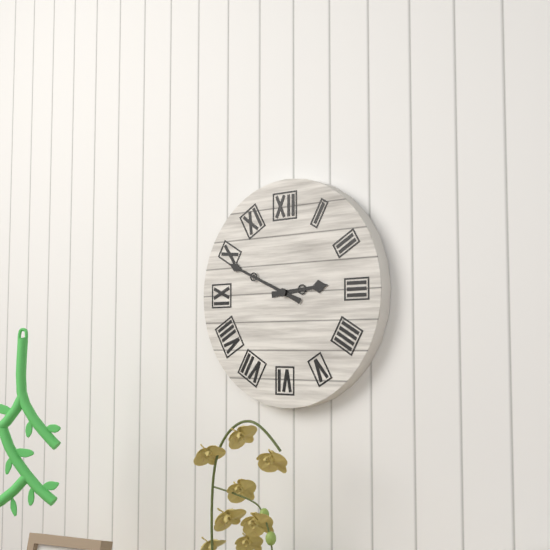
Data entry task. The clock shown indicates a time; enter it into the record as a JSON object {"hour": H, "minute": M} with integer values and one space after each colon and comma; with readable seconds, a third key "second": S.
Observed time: {"hour": 2, "minute": 49}
